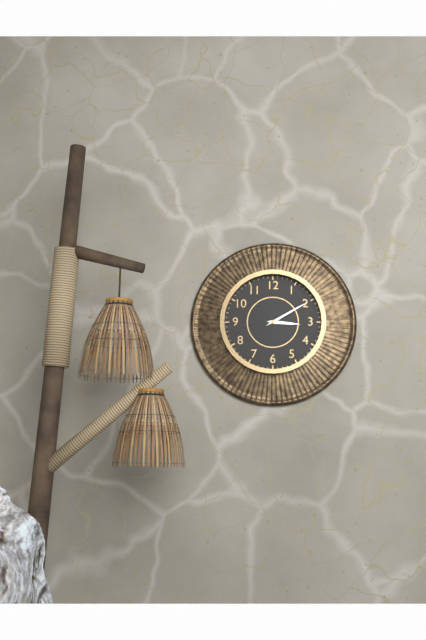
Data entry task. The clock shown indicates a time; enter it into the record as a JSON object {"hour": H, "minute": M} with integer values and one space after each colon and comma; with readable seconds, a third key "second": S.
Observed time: {"hour": 3, "minute": 10}
